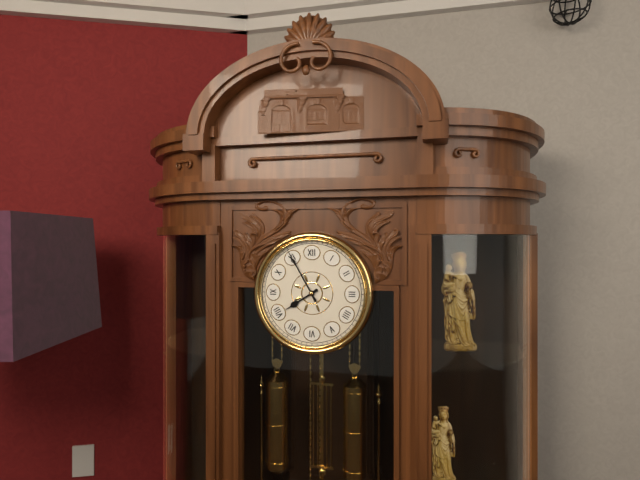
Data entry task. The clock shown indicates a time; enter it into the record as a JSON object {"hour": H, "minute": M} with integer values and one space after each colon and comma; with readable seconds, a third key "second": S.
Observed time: {"hour": 7, "minute": 55}
